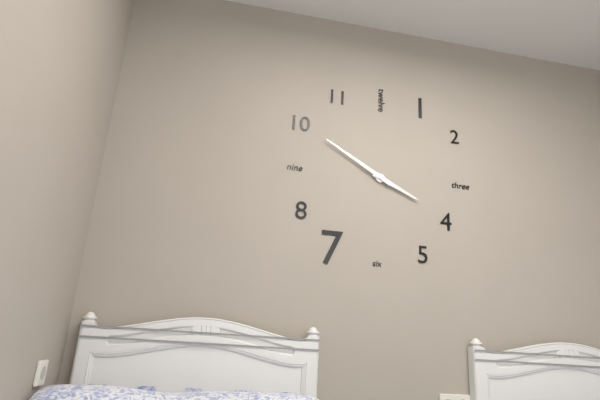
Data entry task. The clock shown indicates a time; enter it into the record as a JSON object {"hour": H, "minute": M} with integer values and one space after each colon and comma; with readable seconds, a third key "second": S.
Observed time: {"hour": 3, "minute": 50}
